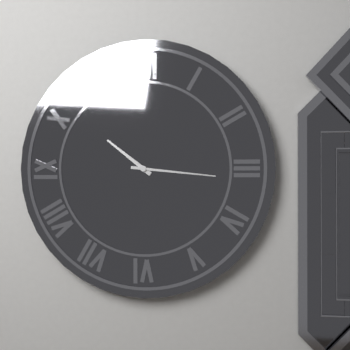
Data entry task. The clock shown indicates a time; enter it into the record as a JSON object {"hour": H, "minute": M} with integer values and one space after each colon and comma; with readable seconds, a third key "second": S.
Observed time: {"hour": 10, "minute": 16}
